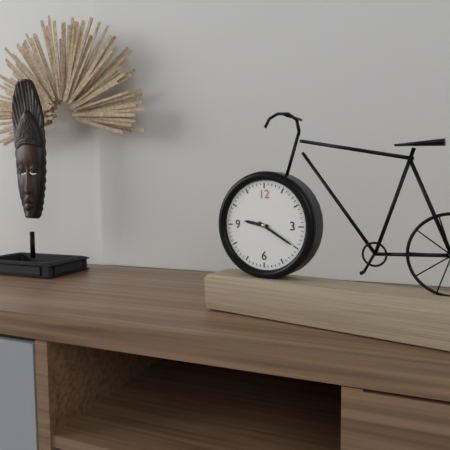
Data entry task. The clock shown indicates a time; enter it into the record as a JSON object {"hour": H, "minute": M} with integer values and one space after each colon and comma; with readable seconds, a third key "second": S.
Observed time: {"hour": 9, "minute": 20}
